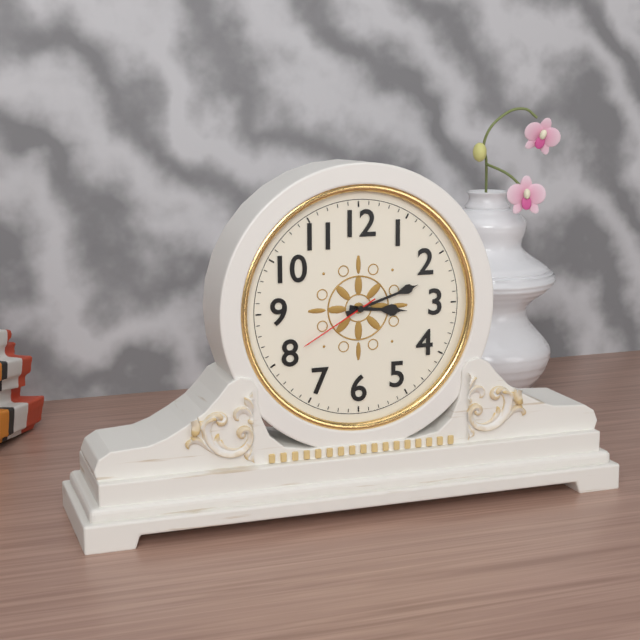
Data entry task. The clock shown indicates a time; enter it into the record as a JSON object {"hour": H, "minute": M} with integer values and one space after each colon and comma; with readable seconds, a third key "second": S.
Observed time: {"hour": 3, "minute": 12, "second": 40}
